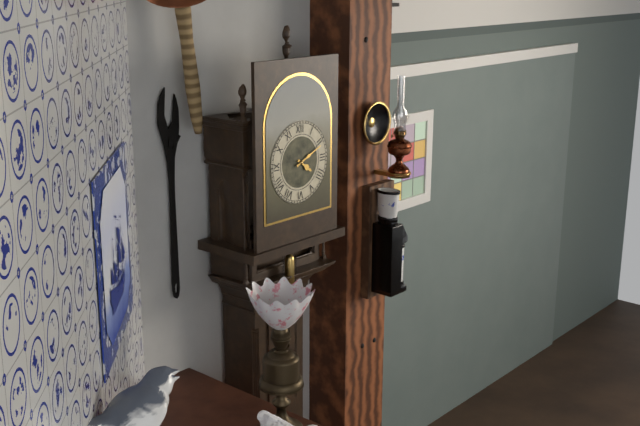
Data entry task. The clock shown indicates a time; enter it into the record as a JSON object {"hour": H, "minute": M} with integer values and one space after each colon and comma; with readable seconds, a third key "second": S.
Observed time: {"hour": 4, "minute": 11}
